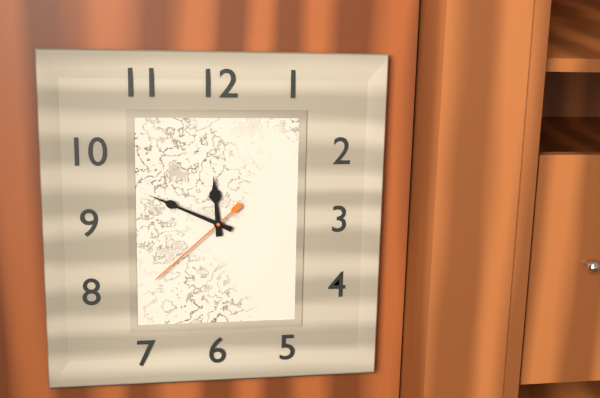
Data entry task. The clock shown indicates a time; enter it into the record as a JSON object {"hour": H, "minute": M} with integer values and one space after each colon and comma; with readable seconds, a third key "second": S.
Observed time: {"hour": 11, "minute": 49, "second": 38}
